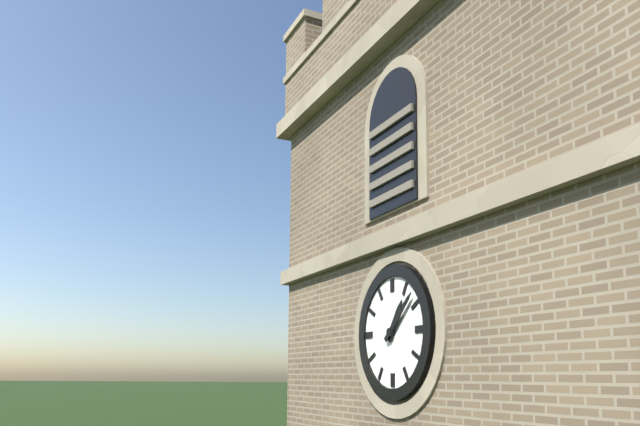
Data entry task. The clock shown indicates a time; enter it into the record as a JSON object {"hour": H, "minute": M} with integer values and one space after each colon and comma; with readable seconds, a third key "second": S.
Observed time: {"hour": 1, "minute": 8}
